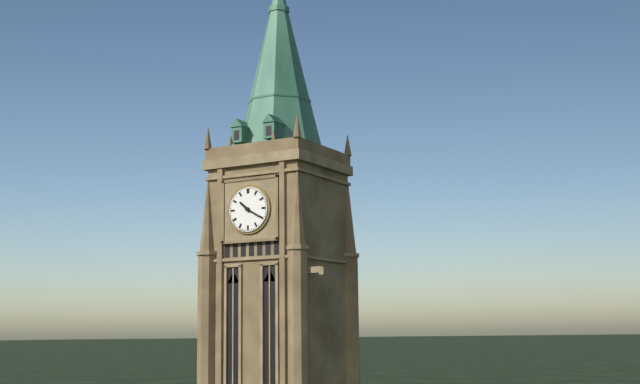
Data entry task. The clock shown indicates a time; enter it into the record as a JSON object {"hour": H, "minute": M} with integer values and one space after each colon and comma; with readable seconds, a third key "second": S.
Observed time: {"hour": 10, "minute": 20}
